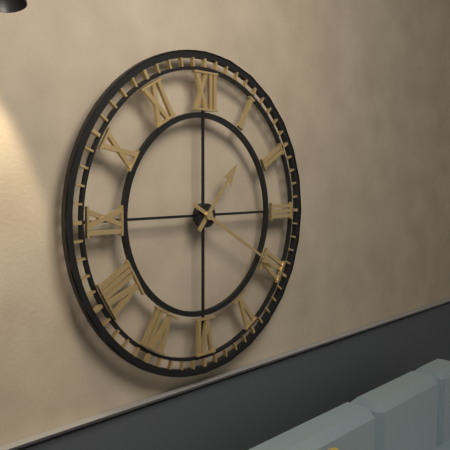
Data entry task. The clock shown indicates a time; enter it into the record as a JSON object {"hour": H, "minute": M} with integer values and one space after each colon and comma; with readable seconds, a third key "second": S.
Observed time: {"hour": 1, "minute": 20}
